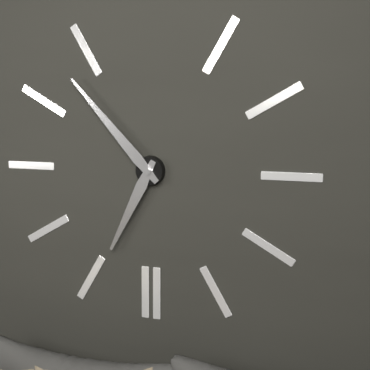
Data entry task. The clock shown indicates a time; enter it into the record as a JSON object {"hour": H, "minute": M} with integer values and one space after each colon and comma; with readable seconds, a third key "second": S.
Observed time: {"hour": 6, "minute": 53}
